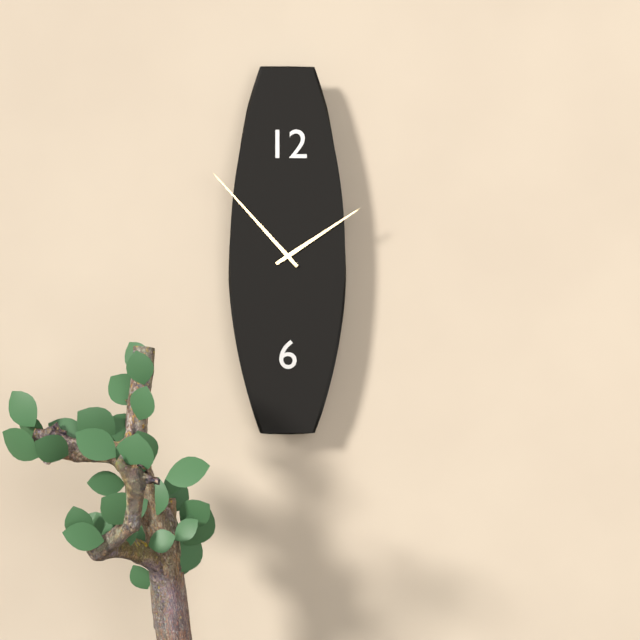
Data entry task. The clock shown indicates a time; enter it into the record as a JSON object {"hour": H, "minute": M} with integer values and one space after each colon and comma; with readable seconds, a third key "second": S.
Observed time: {"hour": 1, "minute": 53}
